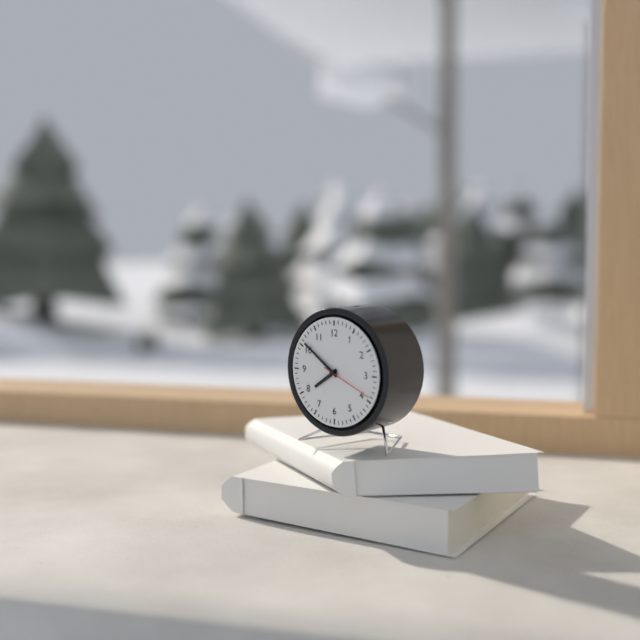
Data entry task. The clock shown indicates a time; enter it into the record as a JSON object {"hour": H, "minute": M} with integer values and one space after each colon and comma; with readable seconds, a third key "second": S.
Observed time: {"hour": 7, "minute": 51}
